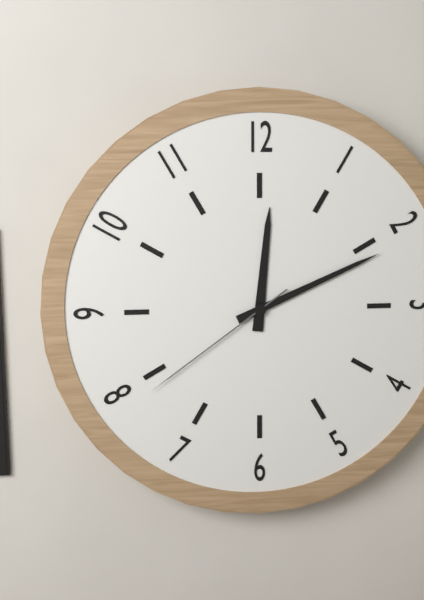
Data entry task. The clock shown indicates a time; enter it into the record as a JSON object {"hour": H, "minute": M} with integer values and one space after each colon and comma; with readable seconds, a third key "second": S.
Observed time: {"hour": 12, "minute": 11, "second": 39}
